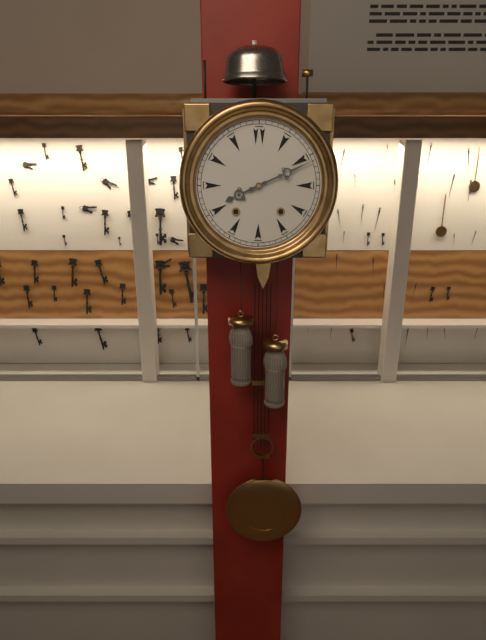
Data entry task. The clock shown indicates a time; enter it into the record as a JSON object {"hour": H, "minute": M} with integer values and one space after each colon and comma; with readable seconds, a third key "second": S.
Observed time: {"hour": 8, "minute": 11}
